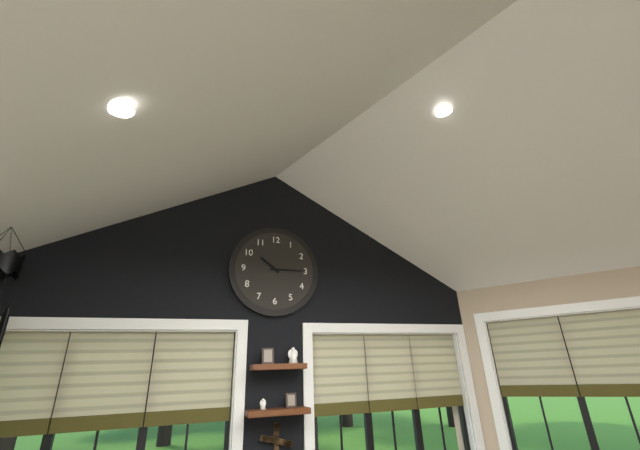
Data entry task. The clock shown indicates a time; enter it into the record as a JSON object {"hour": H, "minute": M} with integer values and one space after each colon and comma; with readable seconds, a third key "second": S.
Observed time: {"hour": 10, "minute": 15}
